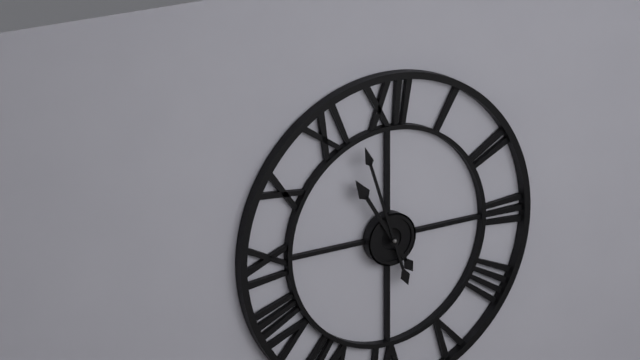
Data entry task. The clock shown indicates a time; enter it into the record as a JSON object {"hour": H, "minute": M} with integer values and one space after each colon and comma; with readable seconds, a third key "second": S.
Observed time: {"hour": 10, "minute": 57}
